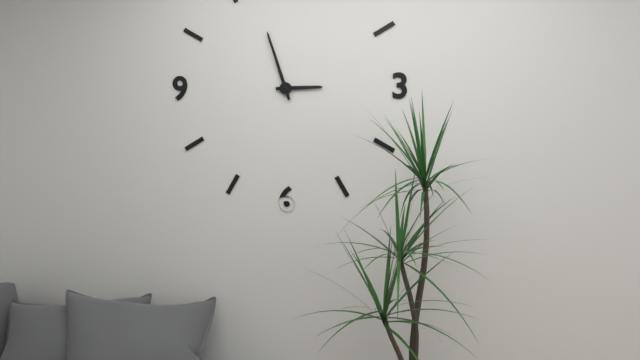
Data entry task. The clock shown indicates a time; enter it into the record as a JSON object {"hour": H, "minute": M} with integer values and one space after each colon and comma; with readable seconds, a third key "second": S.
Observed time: {"hour": 2, "minute": 57}
